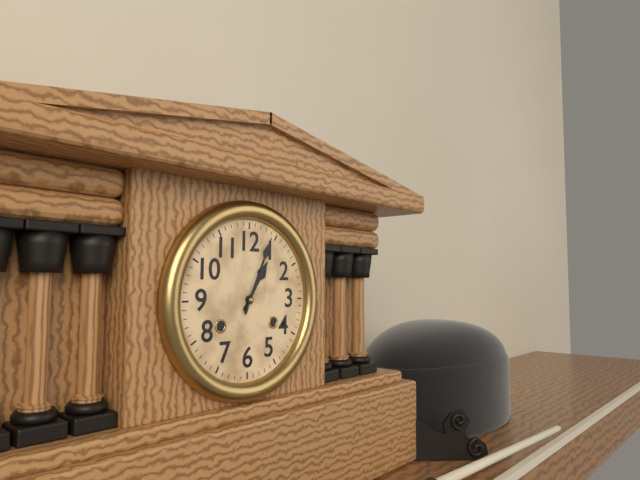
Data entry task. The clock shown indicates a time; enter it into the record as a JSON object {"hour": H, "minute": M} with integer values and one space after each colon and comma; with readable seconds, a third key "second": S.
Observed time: {"hour": 1, "minute": 4}
